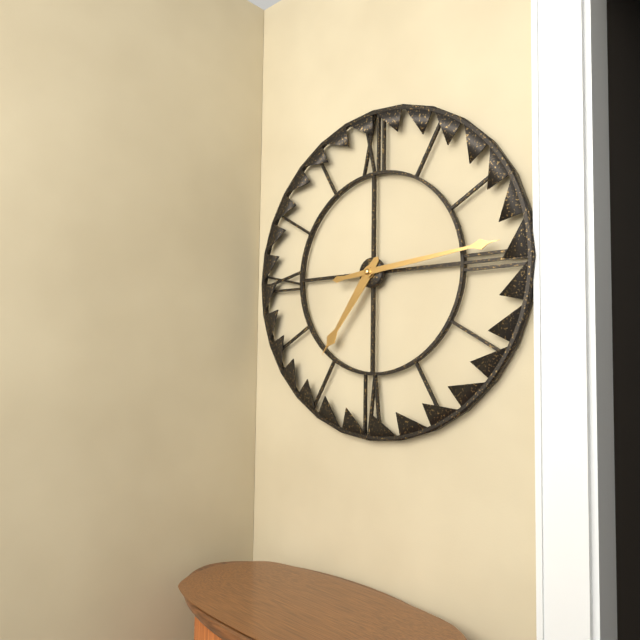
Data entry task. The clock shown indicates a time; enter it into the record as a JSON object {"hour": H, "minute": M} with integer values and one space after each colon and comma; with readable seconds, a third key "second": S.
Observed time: {"hour": 7, "minute": 14}
